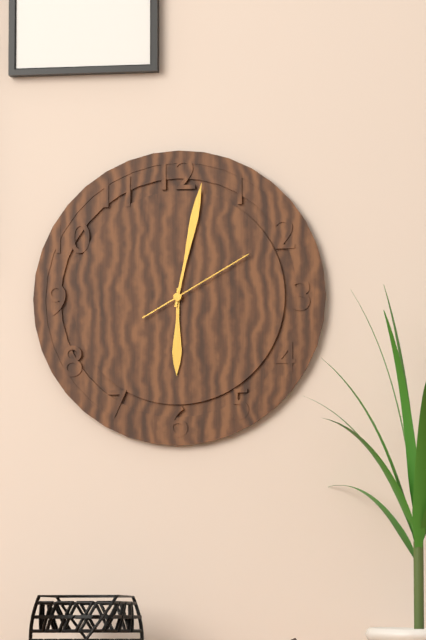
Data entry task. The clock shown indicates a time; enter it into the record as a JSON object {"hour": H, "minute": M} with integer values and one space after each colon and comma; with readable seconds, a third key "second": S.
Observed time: {"hour": 6, "minute": 2, "second": 10}
